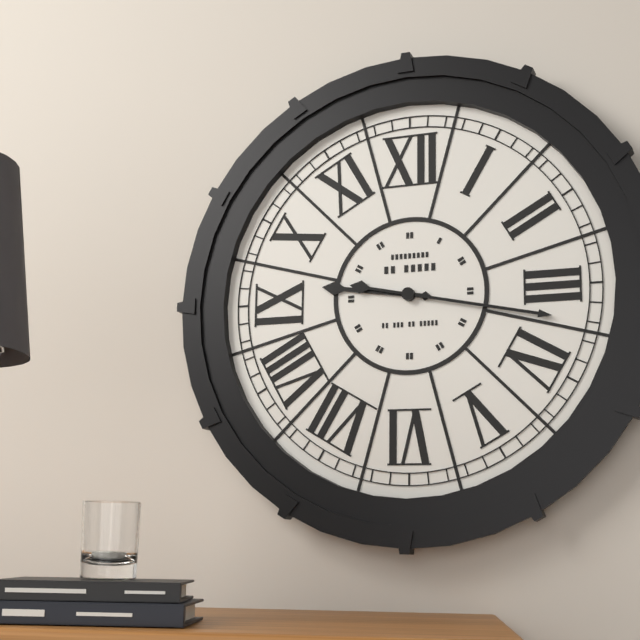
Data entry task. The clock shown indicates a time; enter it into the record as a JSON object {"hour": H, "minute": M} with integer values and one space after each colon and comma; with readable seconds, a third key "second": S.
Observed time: {"hour": 9, "minute": 17}
